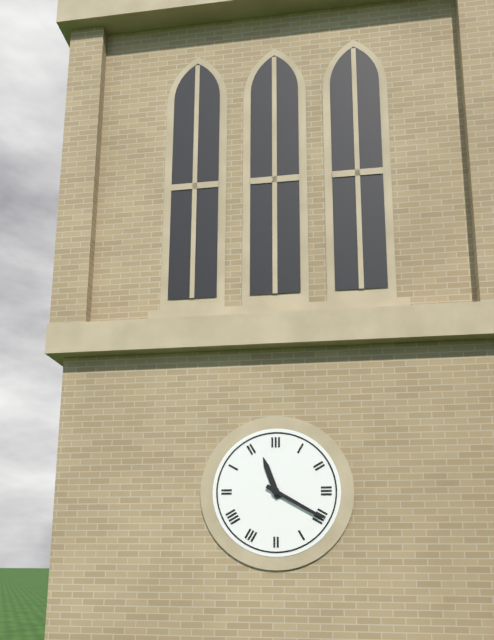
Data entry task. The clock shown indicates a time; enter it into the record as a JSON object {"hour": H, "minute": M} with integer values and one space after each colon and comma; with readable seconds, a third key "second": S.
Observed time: {"hour": 11, "minute": 20}
